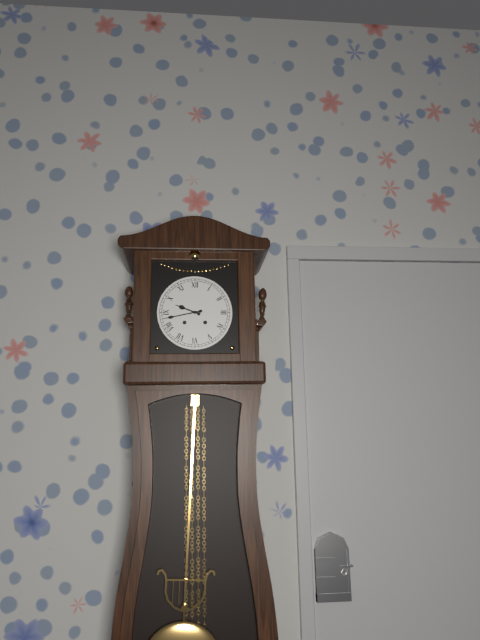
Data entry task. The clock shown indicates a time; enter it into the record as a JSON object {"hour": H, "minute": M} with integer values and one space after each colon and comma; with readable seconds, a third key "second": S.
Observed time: {"hour": 9, "minute": 43}
